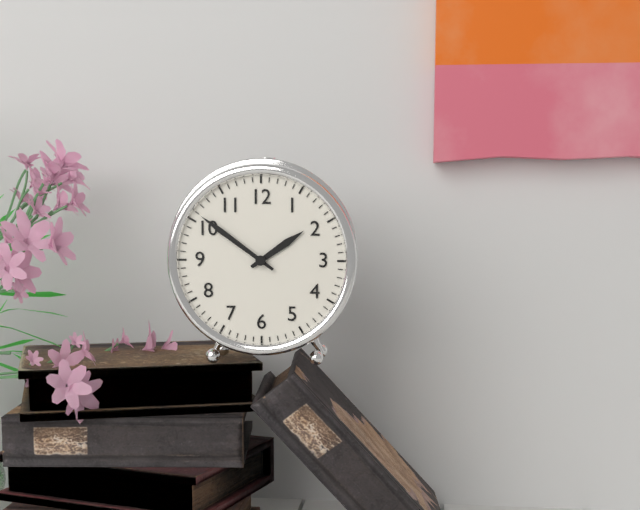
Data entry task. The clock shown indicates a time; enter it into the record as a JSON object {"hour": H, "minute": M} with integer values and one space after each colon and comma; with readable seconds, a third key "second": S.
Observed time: {"hour": 1, "minute": 51}
